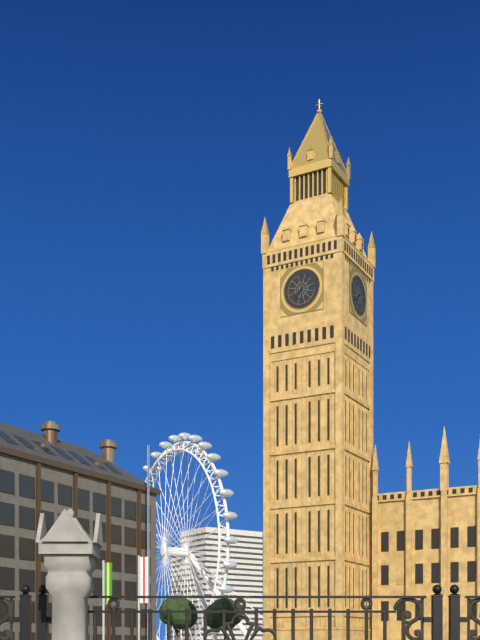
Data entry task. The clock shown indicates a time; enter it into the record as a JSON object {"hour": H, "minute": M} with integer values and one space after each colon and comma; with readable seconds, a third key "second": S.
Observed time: {"hour": 7, "minute": 30}
